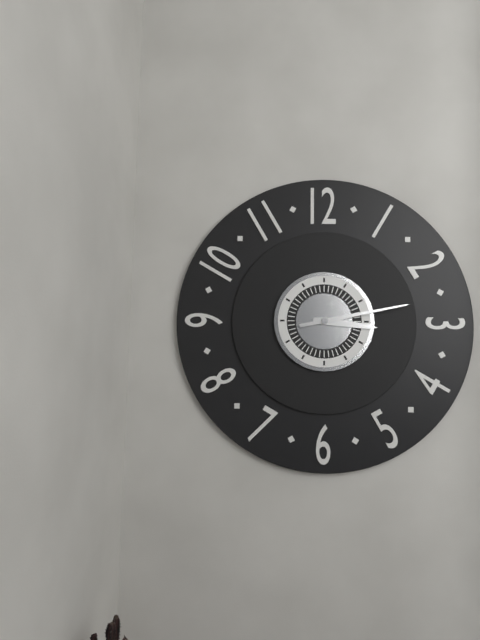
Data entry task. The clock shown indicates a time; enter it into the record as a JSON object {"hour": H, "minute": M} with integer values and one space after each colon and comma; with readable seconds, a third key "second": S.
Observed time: {"hour": 3, "minute": 13}
